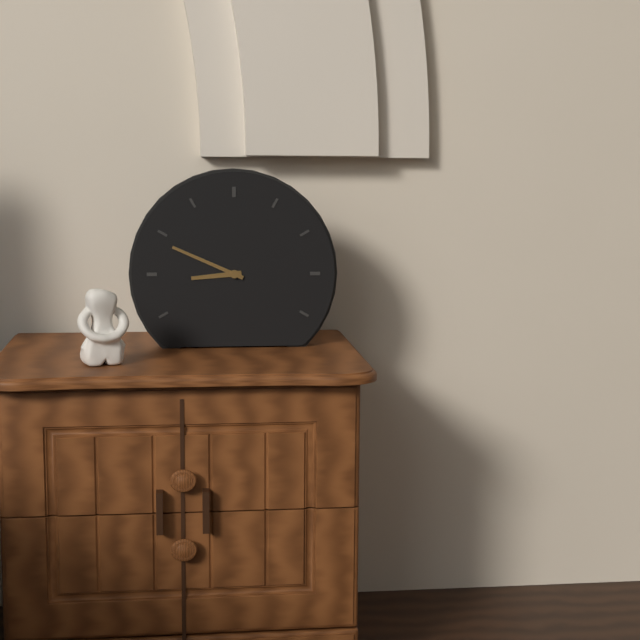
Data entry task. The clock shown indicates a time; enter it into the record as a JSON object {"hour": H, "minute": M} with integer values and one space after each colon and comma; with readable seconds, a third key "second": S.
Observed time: {"hour": 8, "minute": 49}
